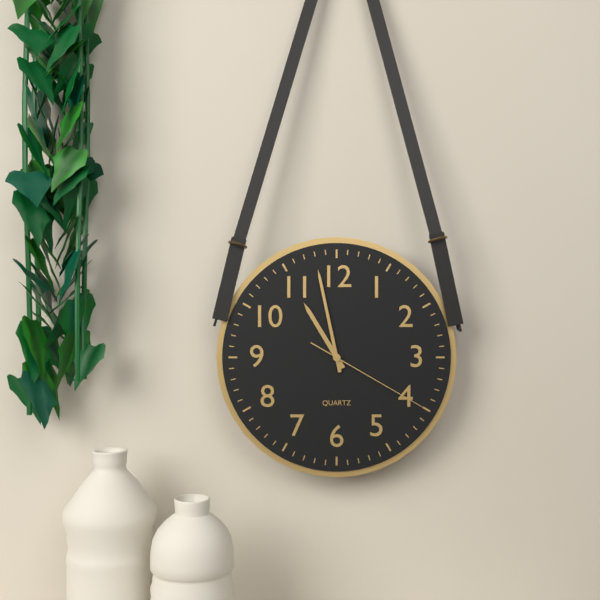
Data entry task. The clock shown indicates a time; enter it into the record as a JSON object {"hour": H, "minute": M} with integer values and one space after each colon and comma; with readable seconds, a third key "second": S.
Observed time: {"hour": 10, "minute": 58, "second": 20}
